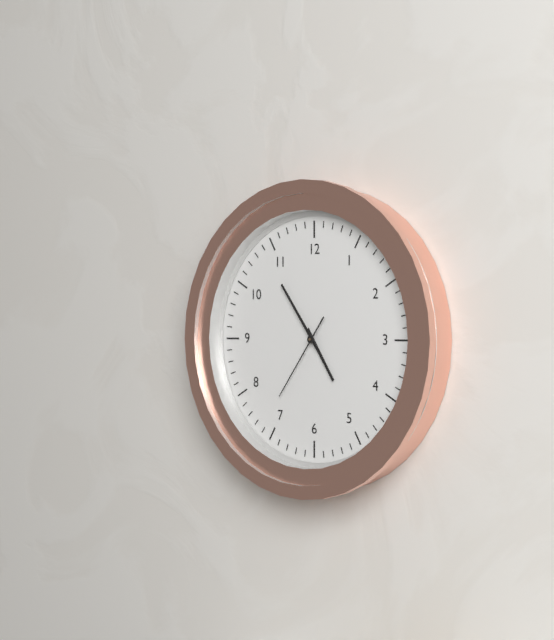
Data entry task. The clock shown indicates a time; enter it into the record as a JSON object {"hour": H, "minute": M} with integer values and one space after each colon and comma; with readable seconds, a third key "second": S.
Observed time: {"hour": 4, "minute": 54, "second": 36}
